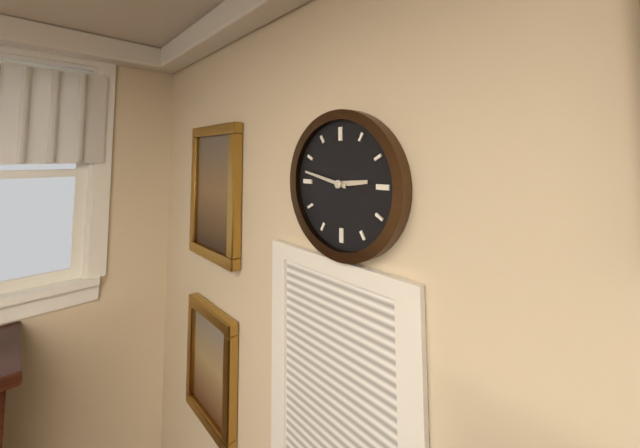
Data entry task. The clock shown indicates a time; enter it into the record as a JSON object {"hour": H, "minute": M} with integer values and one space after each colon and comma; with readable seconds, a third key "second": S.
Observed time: {"hour": 2, "minute": 47}
